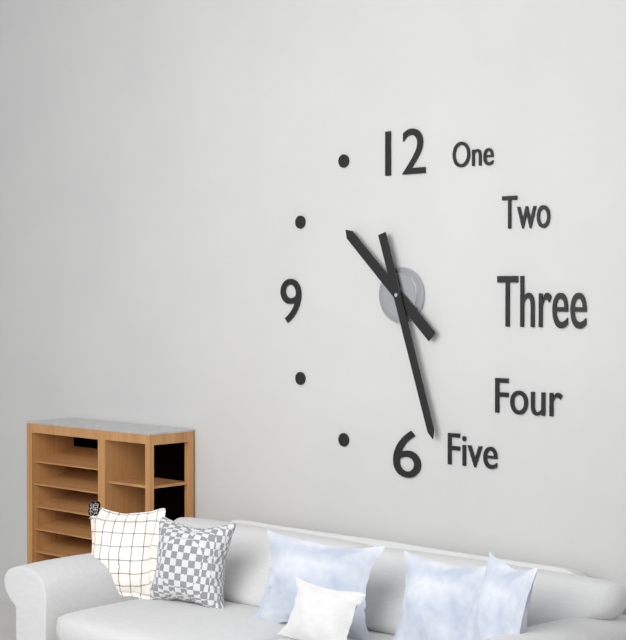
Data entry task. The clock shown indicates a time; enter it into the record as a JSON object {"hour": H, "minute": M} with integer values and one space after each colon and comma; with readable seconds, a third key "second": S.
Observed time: {"hour": 10, "minute": 27}
